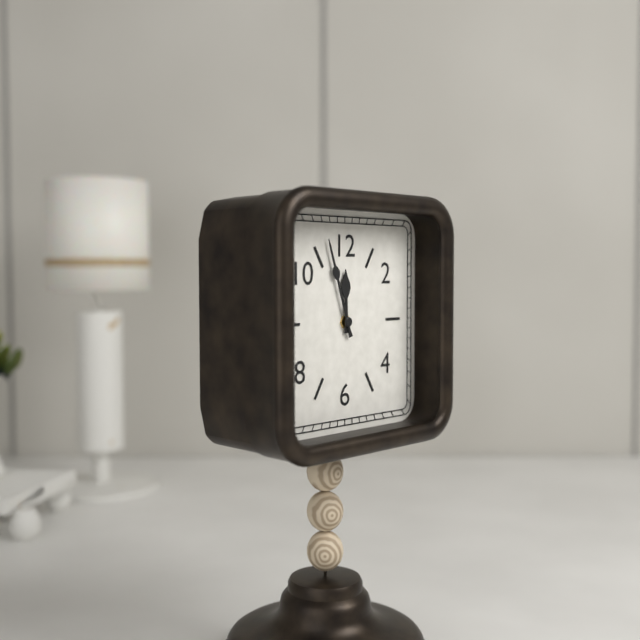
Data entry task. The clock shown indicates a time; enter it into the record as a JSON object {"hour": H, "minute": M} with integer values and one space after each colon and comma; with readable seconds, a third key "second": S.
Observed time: {"hour": 11, "minute": 57}
